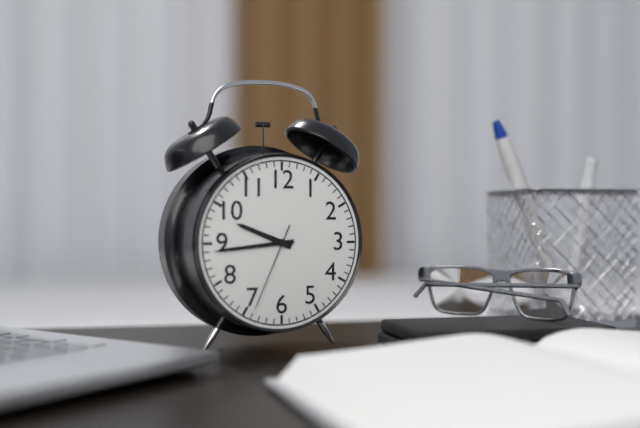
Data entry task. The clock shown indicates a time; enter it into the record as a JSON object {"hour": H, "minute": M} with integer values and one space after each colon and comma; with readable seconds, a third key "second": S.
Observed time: {"hour": 9, "minute": 44, "second": 34}
